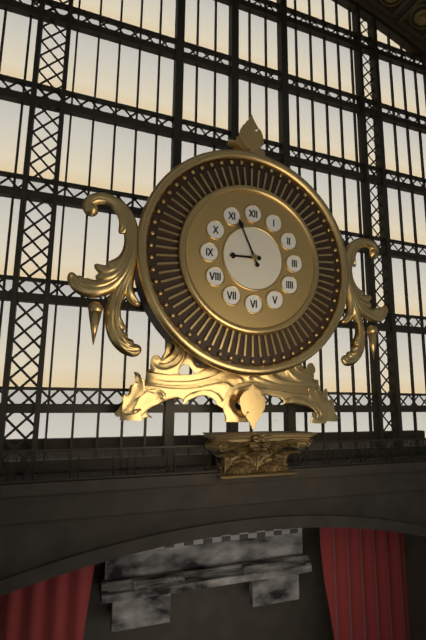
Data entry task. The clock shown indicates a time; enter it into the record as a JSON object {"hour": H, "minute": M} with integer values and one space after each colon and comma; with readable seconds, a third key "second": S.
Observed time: {"hour": 8, "minute": 56}
